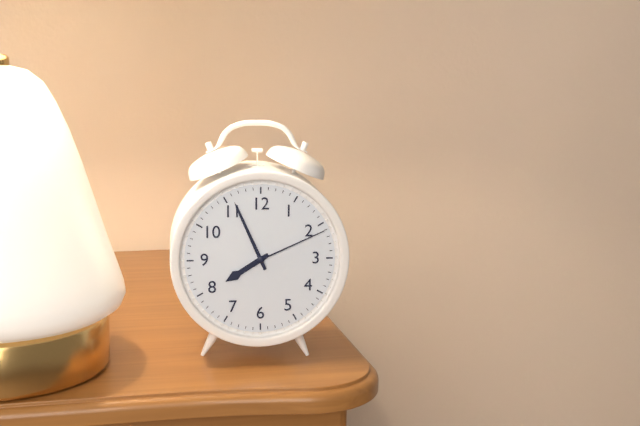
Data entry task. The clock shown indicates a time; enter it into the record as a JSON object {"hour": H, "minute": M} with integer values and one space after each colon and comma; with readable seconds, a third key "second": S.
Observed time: {"hour": 7, "minute": 56, "second": 11}
